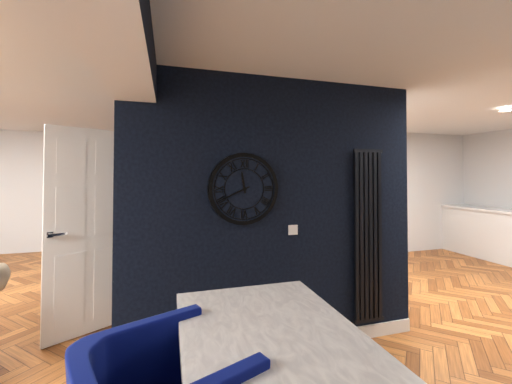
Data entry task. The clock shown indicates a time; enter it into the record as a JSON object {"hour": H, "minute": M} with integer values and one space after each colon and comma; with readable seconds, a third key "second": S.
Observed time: {"hour": 11, "minute": 41}
